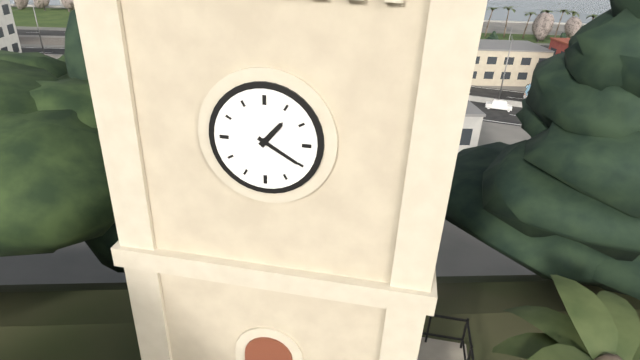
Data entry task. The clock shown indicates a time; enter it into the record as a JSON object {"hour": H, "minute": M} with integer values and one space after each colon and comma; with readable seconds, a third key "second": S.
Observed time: {"hour": 1, "minute": 20}
